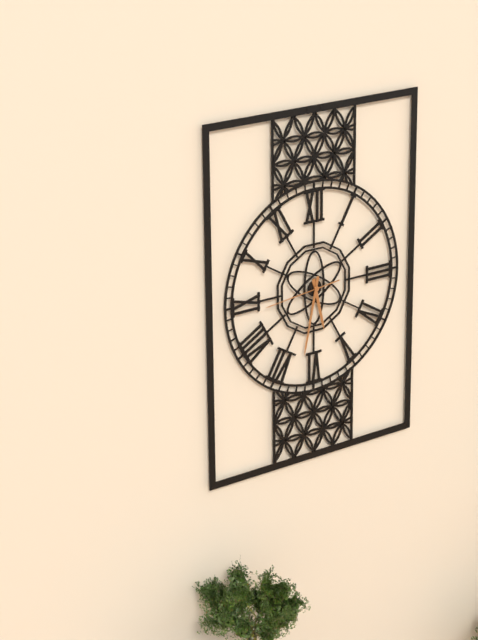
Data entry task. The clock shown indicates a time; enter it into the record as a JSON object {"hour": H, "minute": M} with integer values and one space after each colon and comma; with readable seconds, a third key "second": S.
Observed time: {"hour": 5, "minute": 32, "second": 44}
